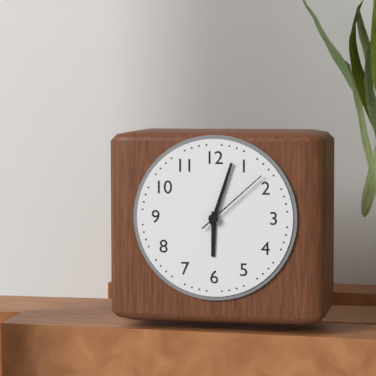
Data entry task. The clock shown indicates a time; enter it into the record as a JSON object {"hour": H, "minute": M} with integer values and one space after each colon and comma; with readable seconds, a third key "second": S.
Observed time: {"hour": 6, "minute": 3, "second": 8}
